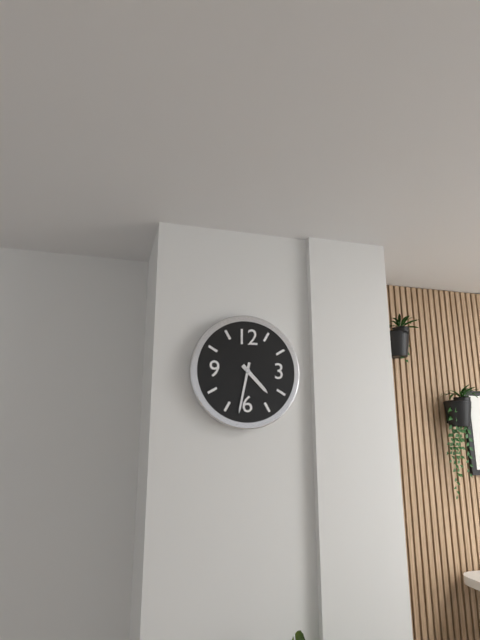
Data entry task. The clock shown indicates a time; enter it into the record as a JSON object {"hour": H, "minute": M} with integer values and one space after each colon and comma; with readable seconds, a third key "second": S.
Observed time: {"hour": 4, "minute": 32}
